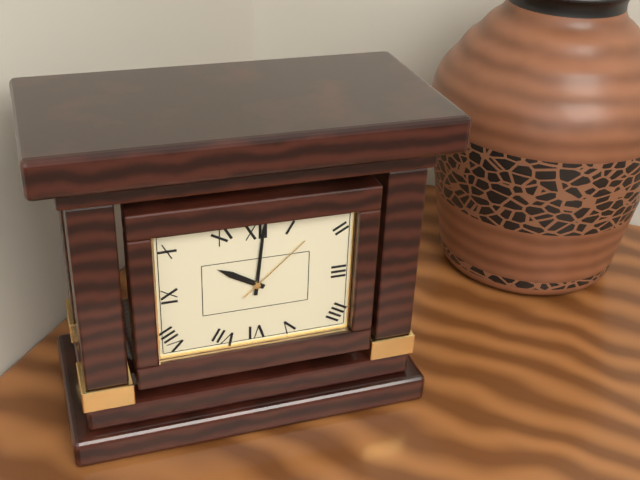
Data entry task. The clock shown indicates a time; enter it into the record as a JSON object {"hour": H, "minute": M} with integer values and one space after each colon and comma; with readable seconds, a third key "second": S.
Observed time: {"hour": 10, "minute": 1, "second": 8}
